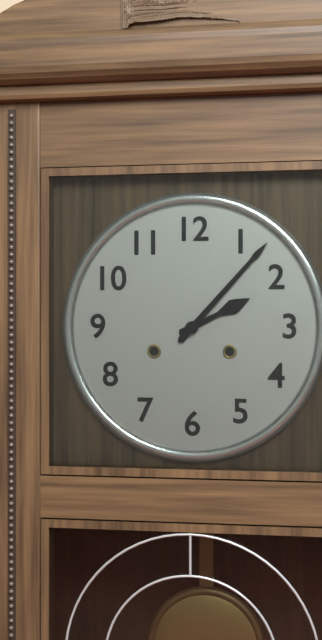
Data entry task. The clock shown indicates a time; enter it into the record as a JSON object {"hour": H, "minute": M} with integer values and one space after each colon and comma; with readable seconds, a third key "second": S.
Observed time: {"hour": 2, "minute": 7}
